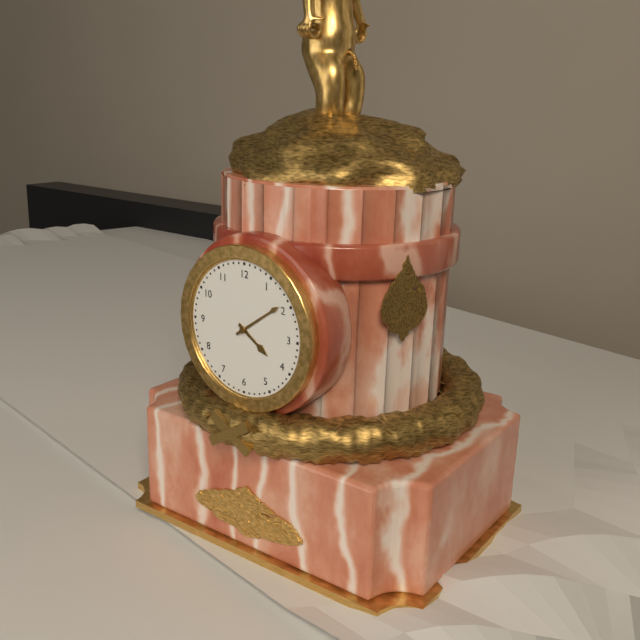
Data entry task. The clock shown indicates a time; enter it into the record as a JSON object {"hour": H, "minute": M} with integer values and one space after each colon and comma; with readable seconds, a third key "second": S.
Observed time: {"hour": 4, "minute": 9}
